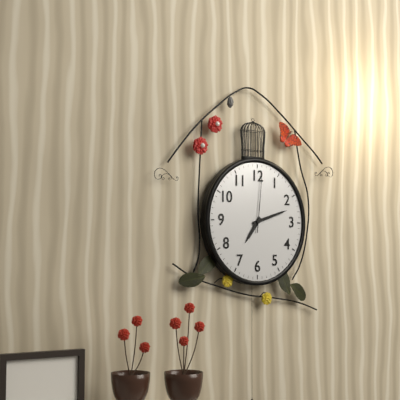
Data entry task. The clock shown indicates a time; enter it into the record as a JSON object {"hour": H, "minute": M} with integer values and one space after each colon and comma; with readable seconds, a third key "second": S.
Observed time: {"hour": 7, "minute": 12, "second": 1}
